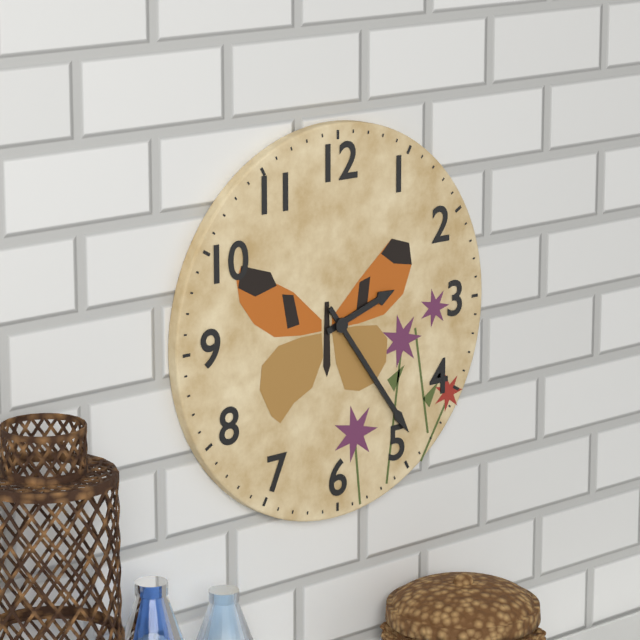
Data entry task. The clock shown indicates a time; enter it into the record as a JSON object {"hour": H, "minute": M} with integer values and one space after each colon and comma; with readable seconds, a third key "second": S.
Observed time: {"hour": 2, "minute": 24}
